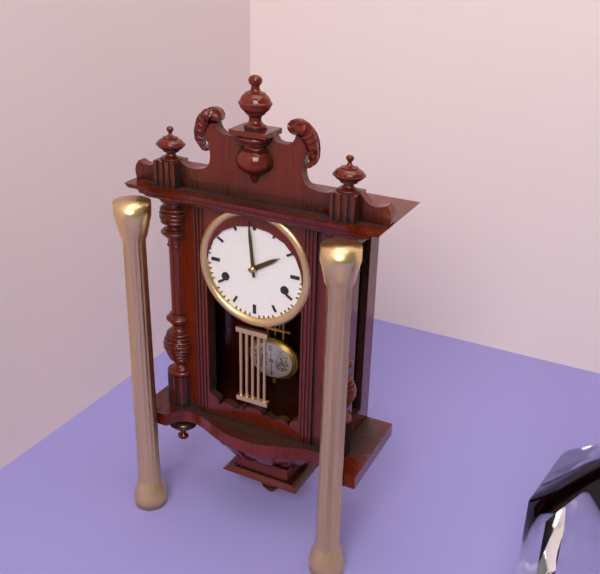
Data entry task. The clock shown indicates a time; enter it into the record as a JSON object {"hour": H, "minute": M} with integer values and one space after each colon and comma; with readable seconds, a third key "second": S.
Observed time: {"hour": 1, "minute": 59}
